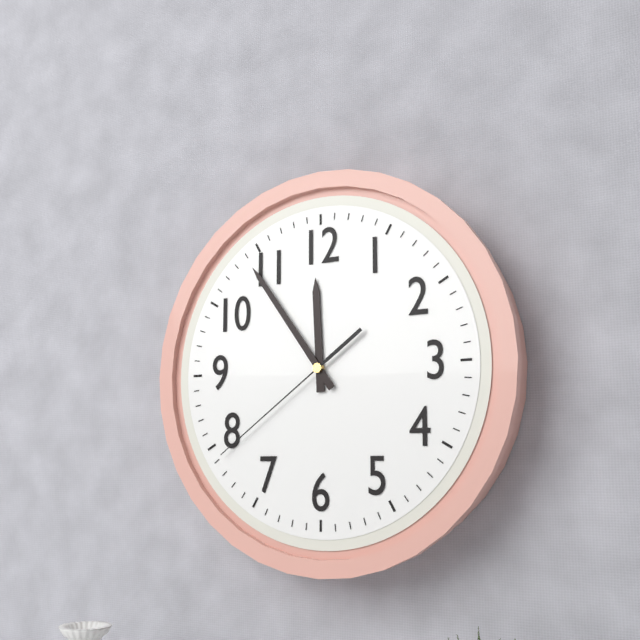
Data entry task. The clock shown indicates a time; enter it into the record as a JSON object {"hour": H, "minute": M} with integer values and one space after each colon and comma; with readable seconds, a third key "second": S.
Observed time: {"hour": 11, "minute": 54, "second": 39}
